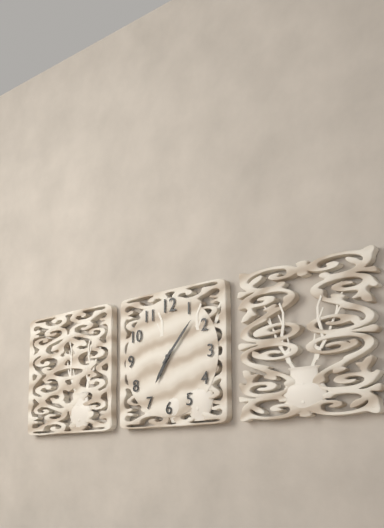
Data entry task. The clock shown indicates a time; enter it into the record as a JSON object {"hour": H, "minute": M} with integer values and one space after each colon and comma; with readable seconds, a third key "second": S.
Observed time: {"hour": 7, "minute": 7}
